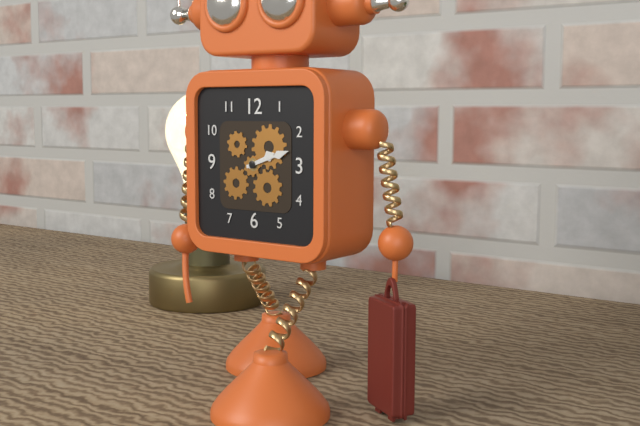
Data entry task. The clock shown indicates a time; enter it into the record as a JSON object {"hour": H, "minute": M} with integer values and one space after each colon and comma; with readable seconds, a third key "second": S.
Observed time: {"hour": 2, "minute": 12}
